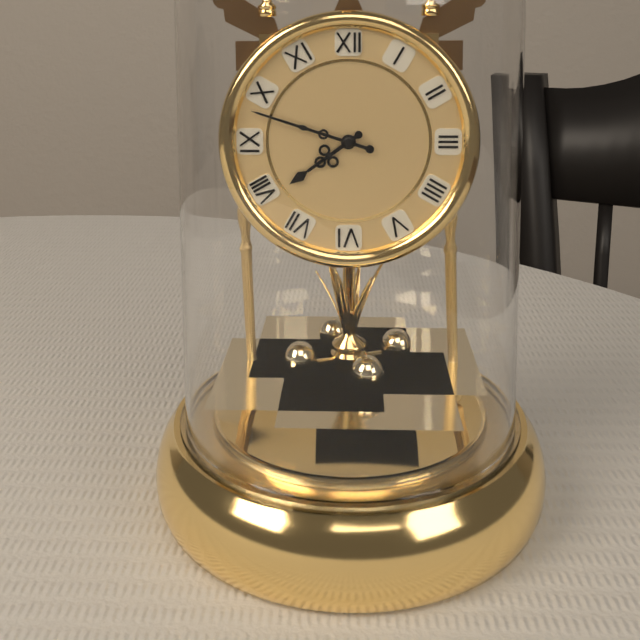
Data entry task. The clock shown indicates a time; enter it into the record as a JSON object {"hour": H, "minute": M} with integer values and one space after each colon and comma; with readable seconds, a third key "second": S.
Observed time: {"hour": 7, "minute": 48}
